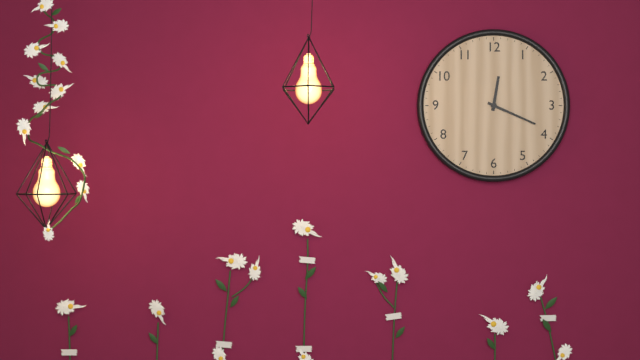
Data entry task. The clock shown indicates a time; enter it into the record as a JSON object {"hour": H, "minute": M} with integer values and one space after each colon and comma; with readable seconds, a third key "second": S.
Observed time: {"hour": 12, "minute": 19}
